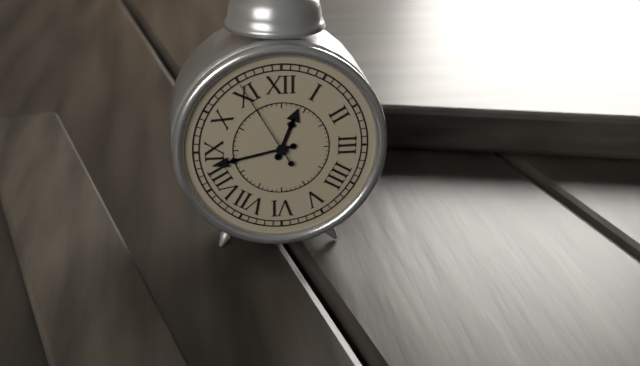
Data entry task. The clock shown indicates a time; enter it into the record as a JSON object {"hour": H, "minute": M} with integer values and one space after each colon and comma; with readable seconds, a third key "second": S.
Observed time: {"hour": 12, "minute": 43, "second": 55}
